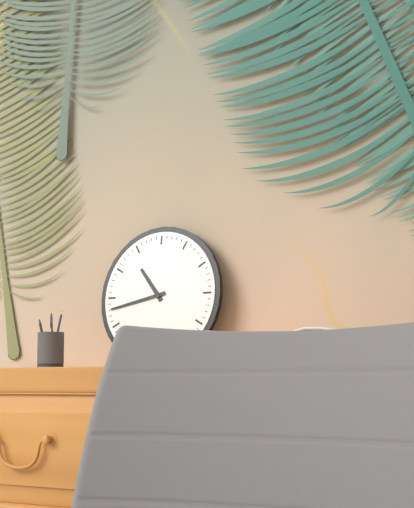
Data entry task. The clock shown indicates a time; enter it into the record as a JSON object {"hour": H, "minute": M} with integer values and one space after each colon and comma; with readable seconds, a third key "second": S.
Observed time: {"hour": 10, "minute": 43}
